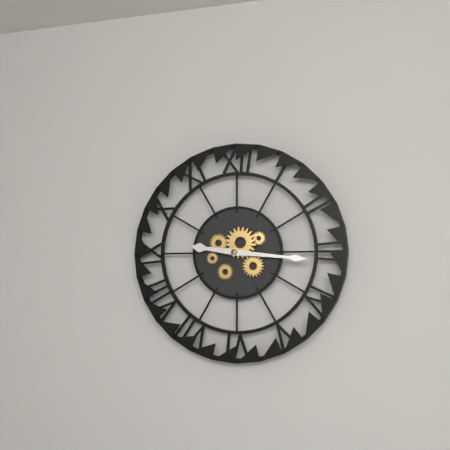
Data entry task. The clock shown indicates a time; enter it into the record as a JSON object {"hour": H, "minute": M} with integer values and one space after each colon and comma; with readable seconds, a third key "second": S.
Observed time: {"hour": 9, "minute": 16}
